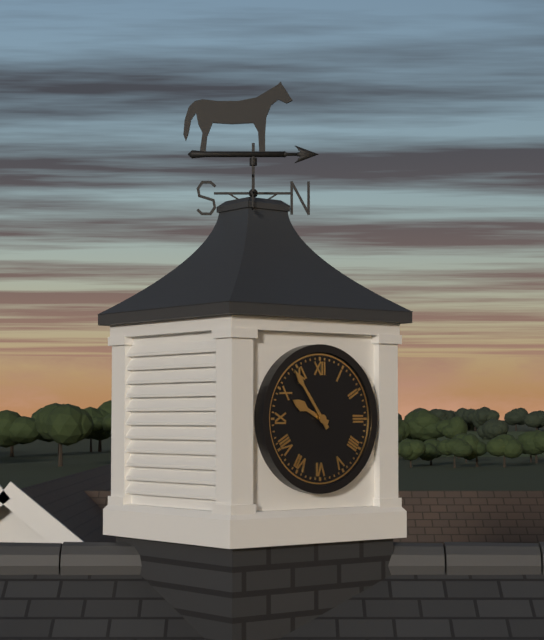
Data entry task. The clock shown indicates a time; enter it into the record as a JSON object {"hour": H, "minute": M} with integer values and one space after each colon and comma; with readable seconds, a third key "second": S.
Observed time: {"hour": 9, "minute": 54}
